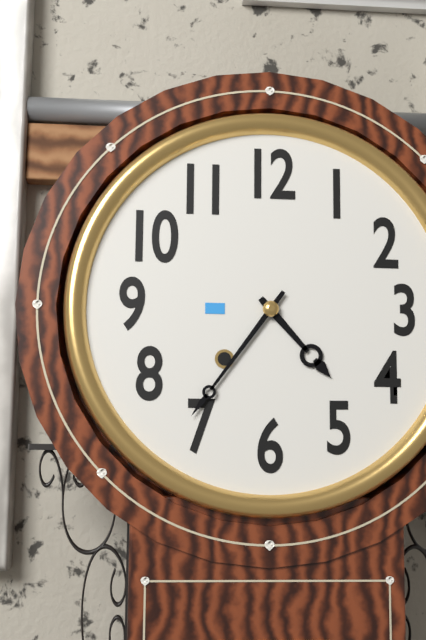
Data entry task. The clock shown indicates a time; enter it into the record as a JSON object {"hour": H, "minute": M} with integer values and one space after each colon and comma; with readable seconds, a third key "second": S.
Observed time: {"hour": 4, "minute": 36}
